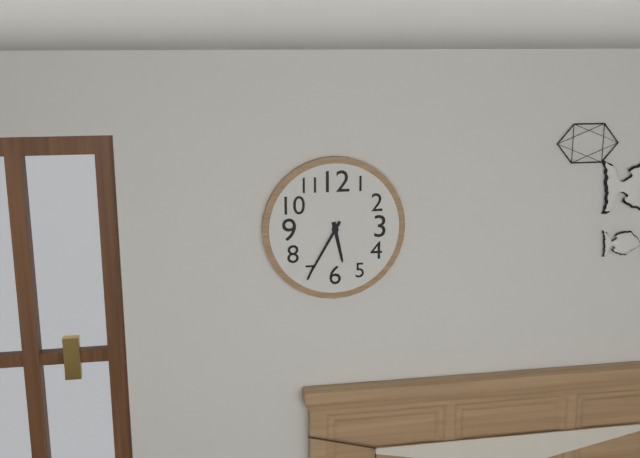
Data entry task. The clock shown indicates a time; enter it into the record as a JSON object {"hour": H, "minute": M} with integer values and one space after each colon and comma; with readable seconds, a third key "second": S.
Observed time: {"hour": 5, "minute": 35}
